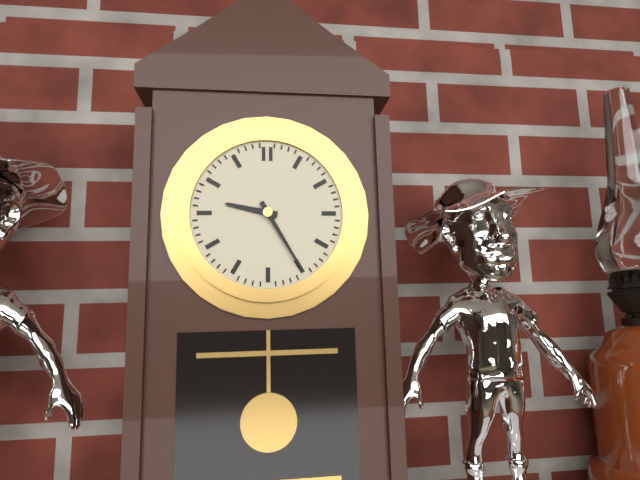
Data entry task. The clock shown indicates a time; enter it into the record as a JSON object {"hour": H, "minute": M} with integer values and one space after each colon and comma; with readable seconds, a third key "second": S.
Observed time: {"hour": 9, "minute": 25}
